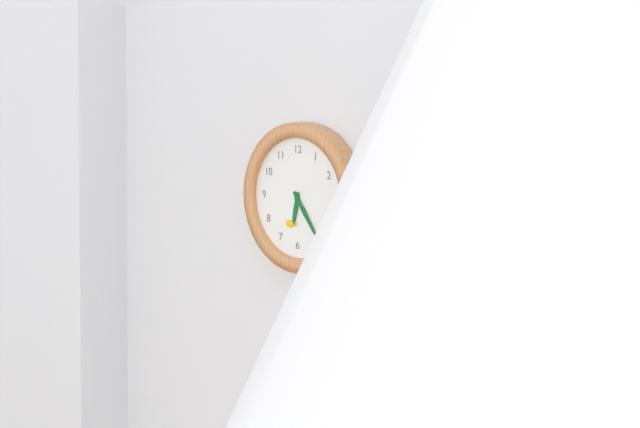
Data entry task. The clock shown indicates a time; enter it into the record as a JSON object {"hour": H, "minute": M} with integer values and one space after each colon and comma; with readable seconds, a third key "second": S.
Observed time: {"hour": 6, "minute": 24}
